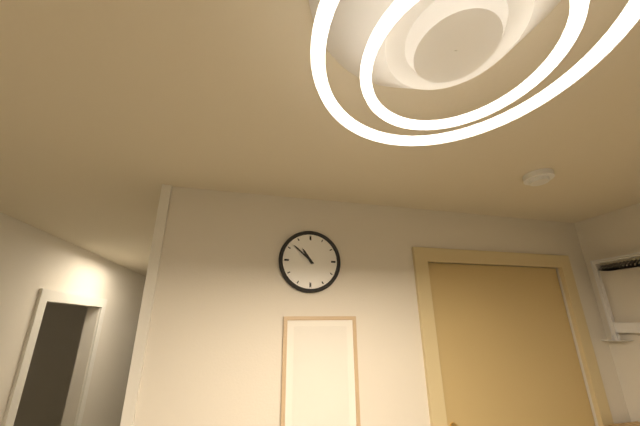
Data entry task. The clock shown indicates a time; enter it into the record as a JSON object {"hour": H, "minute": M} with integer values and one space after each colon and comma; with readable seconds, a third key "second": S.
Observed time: {"hour": 10, "minute": 52}
